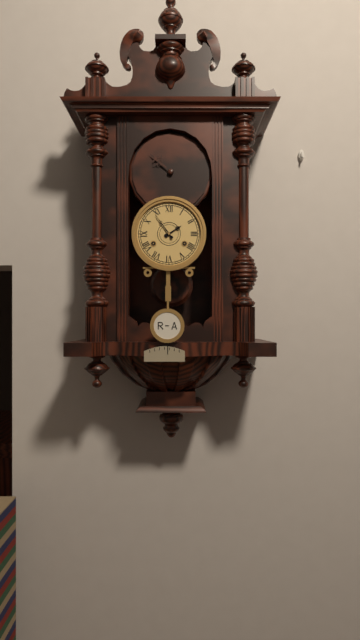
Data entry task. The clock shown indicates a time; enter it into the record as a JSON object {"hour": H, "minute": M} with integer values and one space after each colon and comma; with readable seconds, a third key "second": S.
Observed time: {"hour": 1, "minute": 54}
